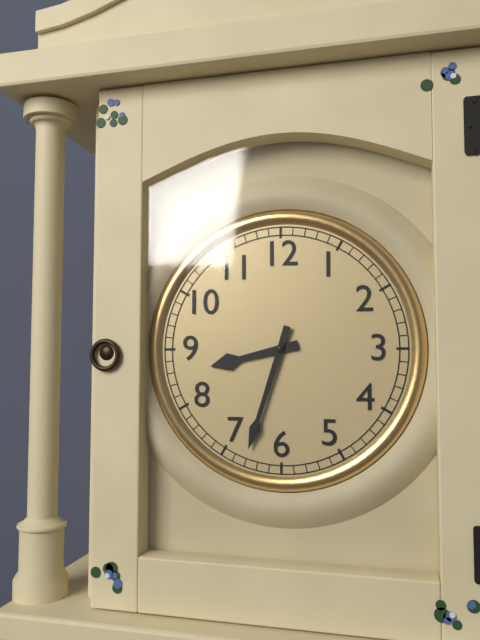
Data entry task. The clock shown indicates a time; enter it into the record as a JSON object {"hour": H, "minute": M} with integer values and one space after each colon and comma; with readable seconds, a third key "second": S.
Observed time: {"hour": 8, "minute": 33}
